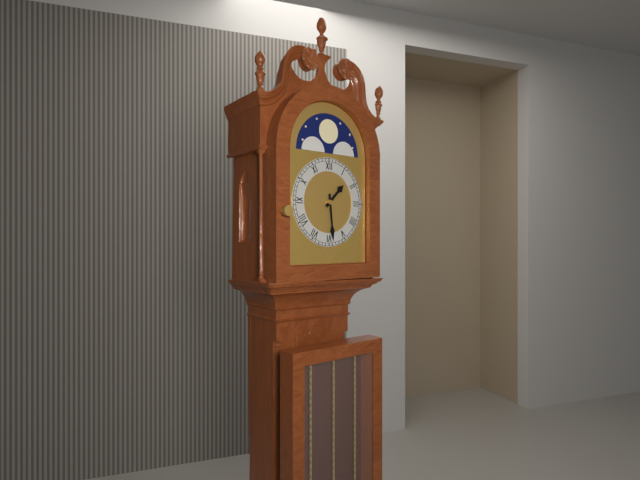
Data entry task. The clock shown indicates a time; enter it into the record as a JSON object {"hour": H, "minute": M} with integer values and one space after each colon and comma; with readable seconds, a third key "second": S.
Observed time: {"hour": 1, "minute": 29}
